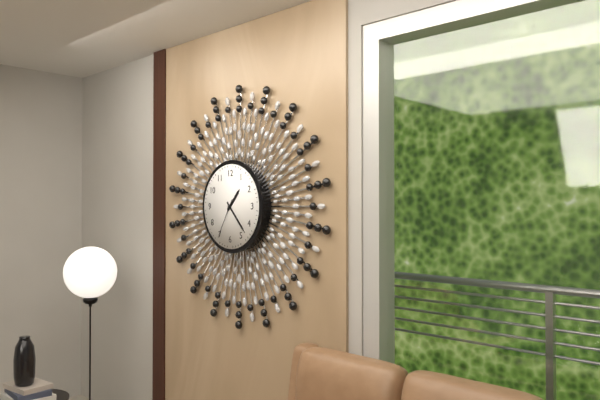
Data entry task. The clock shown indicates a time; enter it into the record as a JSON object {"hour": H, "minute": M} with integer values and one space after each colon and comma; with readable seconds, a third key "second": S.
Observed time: {"hour": 1, "minute": 23}
